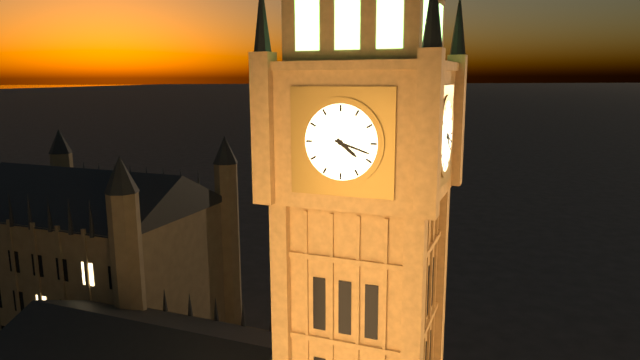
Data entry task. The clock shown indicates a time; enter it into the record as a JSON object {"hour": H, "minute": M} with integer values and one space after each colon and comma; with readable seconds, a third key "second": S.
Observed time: {"hour": 4, "minute": 18}
